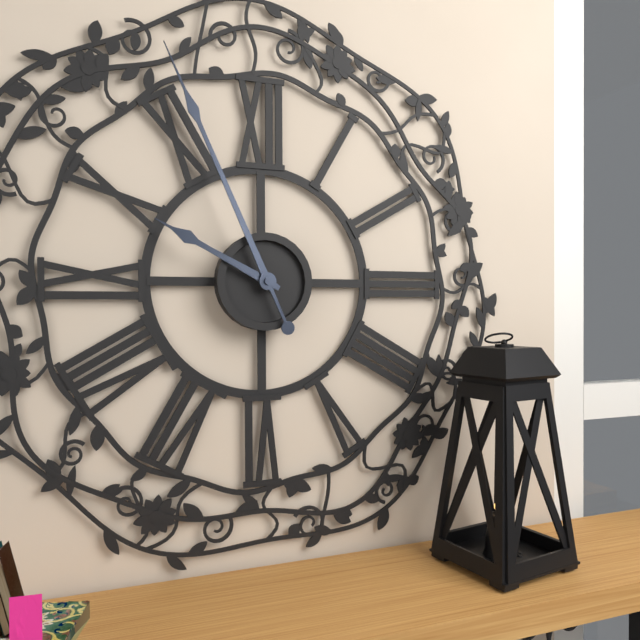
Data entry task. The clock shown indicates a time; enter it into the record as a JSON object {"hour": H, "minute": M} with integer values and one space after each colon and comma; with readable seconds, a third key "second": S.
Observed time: {"hour": 9, "minute": 56}
